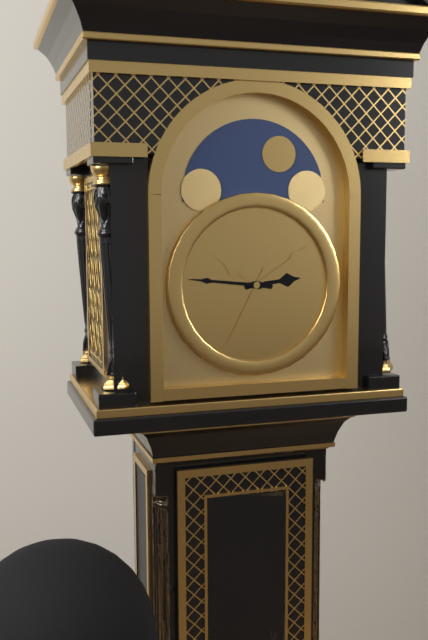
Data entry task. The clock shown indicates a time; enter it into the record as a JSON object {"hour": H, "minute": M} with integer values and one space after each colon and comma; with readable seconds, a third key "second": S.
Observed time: {"hour": 2, "minute": 46}
